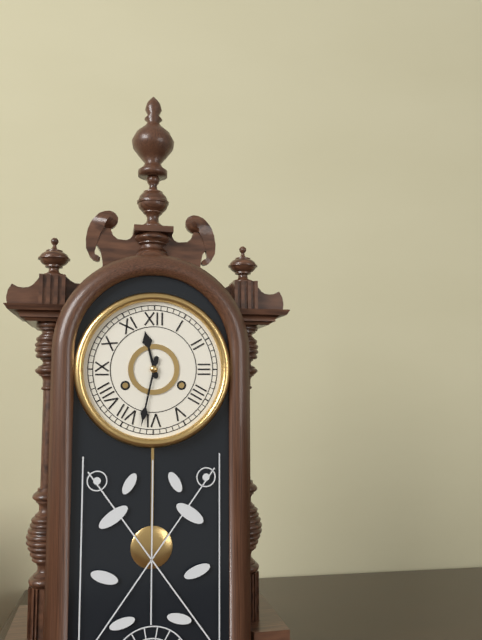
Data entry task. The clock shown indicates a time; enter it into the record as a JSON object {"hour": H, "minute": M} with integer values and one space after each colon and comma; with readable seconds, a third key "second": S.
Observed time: {"hour": 11, "minute": 32}
